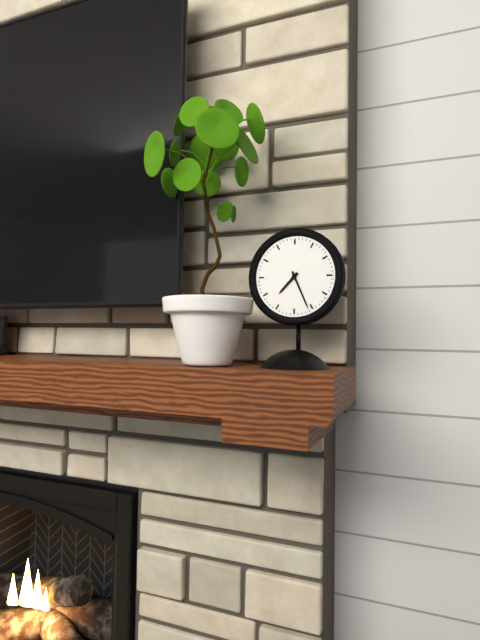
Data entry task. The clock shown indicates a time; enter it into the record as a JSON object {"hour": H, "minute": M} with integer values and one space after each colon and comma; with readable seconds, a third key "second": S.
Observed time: {"hour": 7, "minute": 26}
